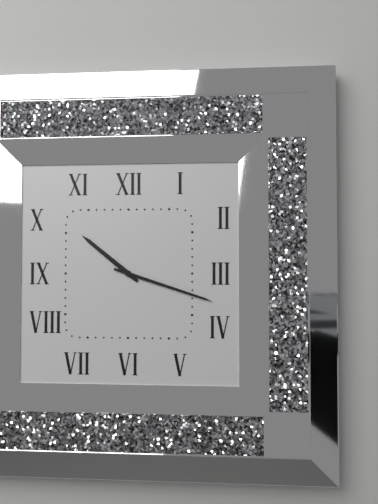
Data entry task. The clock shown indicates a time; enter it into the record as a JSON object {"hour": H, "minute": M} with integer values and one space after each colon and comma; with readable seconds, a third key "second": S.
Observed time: {"hour": 10, "minute": 18}
